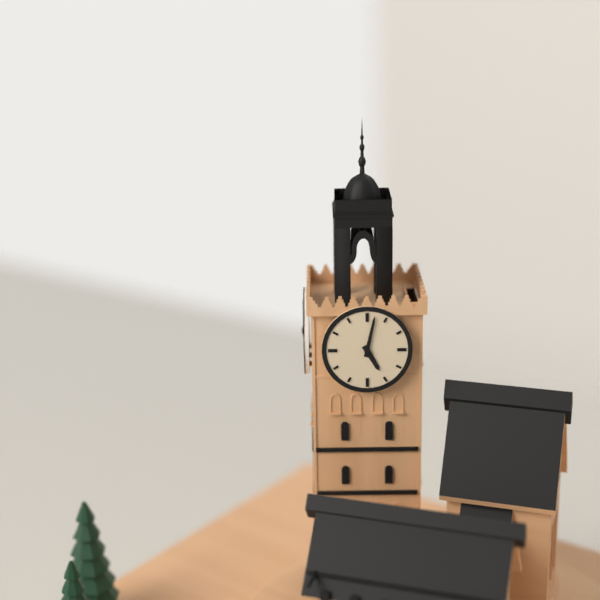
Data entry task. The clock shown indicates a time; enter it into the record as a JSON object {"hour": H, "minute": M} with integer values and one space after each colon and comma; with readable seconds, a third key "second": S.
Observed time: {"hour": 5, "minute": 2}
